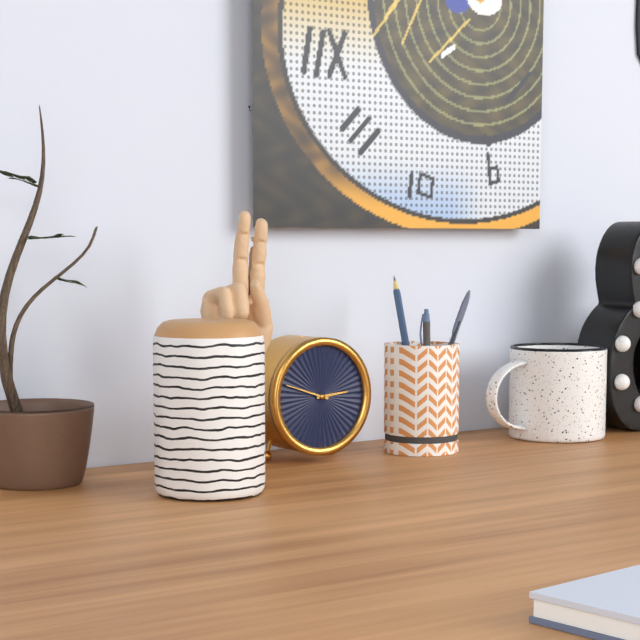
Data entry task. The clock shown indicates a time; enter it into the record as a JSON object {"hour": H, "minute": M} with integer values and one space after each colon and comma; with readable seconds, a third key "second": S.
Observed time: {"hour": 2, "minute": 48}
